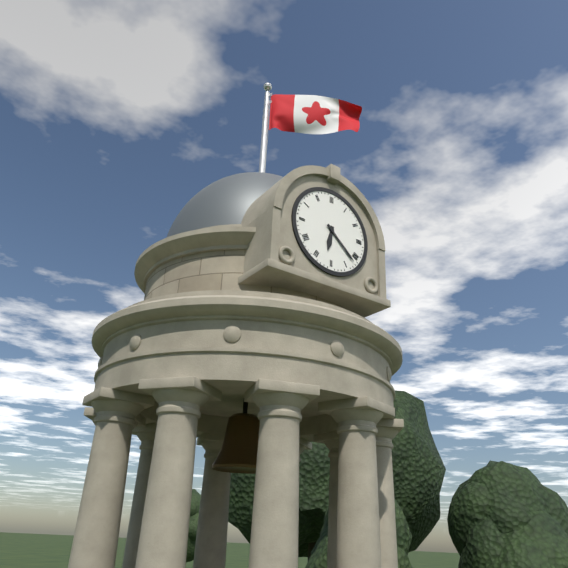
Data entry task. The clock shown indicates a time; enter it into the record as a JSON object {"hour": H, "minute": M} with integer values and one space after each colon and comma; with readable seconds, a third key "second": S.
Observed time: {"hour": 6, "minute": 22}
